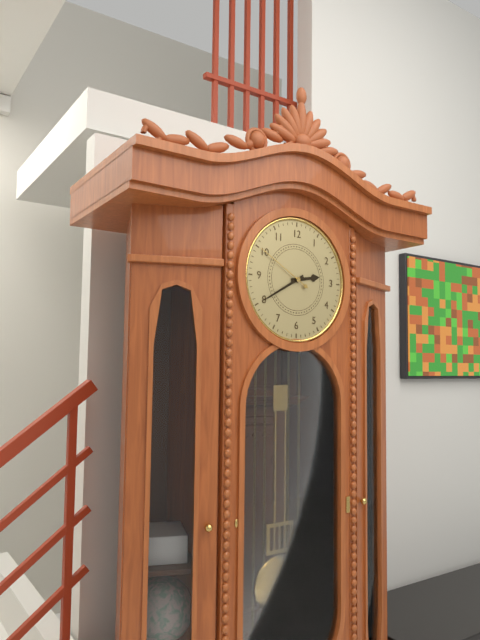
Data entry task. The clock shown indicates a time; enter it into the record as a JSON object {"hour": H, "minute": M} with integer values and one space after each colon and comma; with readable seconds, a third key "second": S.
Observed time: {"hour": 2, "minute": 40, "second": 50}
